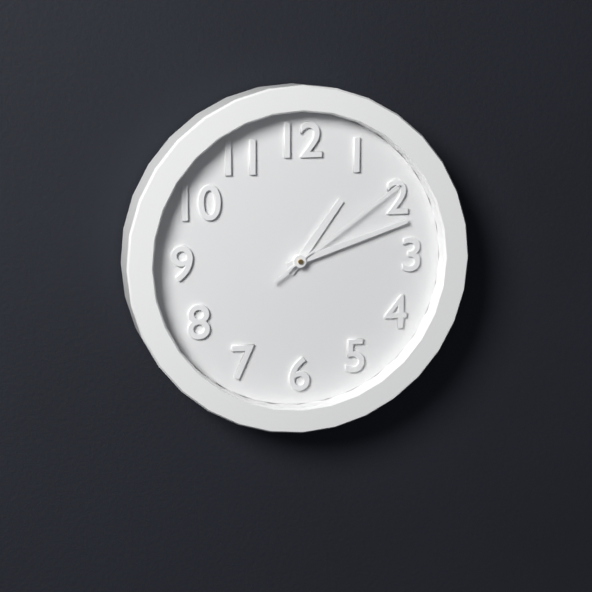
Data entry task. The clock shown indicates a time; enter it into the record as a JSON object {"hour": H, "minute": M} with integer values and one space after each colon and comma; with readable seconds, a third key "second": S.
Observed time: {"hour": 1, "minute": 12, "second": 9}
